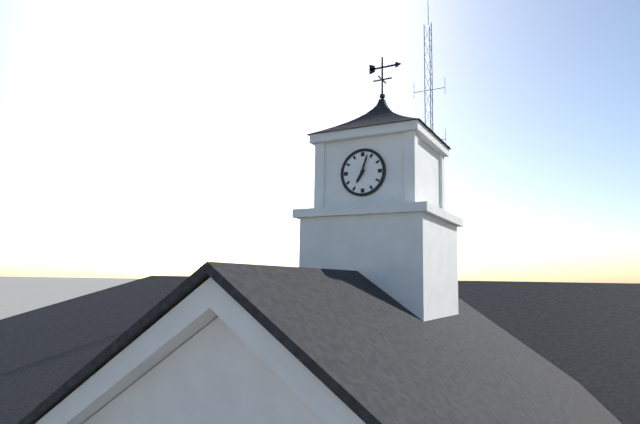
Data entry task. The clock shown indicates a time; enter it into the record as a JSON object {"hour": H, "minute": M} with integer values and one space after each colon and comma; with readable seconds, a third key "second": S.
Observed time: {"hour": 7, "minute": 3}
